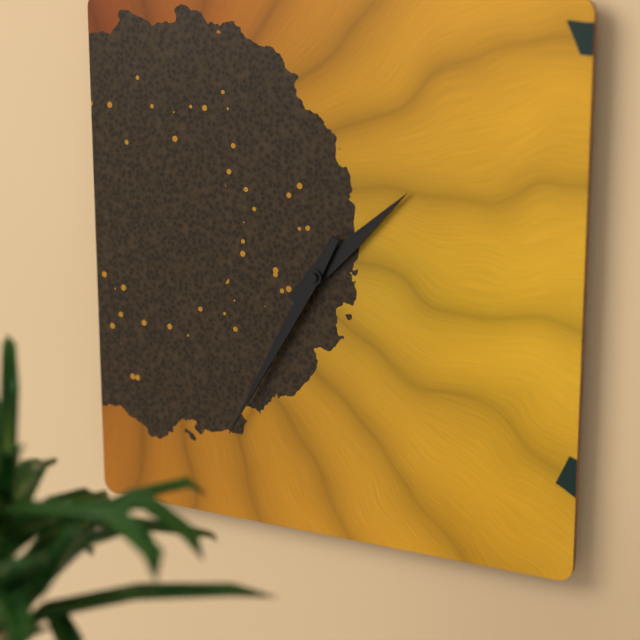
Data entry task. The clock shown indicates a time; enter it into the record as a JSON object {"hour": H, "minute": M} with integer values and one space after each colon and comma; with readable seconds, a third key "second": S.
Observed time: {"hour": 1, "minute": 35}
